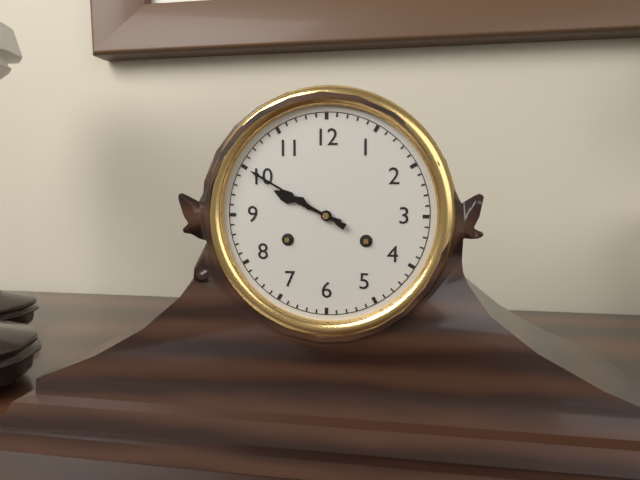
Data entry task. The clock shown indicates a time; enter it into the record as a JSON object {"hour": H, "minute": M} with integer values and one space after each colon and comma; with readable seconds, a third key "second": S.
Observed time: {"hour": 9, "minute": 50}
